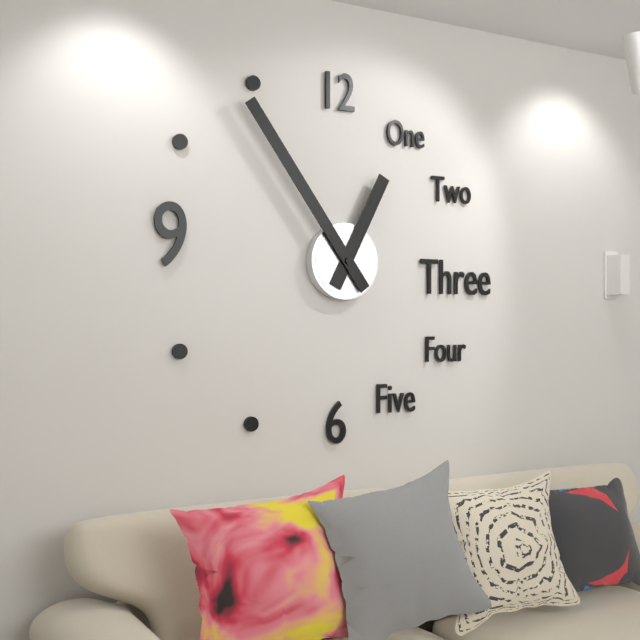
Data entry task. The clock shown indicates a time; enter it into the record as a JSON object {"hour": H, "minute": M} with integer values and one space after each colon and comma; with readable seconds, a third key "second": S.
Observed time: {"hour": 12, "minute": 54}
